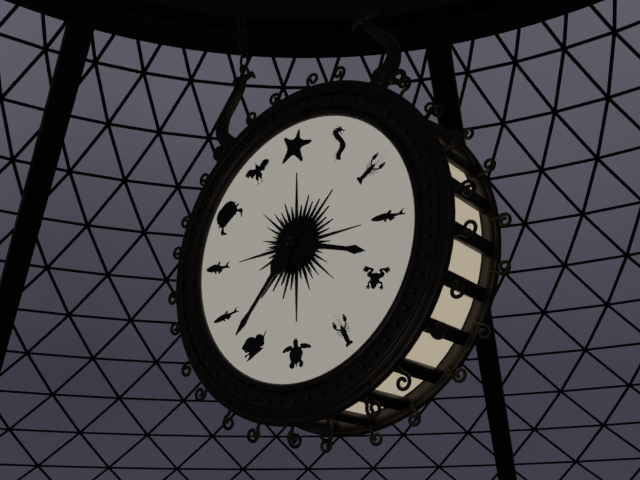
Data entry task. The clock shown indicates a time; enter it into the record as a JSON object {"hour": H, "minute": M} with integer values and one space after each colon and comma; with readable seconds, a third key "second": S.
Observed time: {"hour": 3, "minute": 37}
